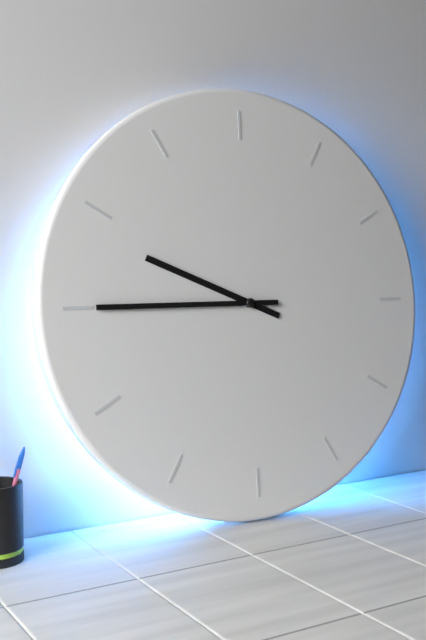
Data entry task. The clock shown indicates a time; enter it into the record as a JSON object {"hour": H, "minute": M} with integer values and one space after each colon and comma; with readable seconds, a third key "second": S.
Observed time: {"hour": 9, "minute": 45}
